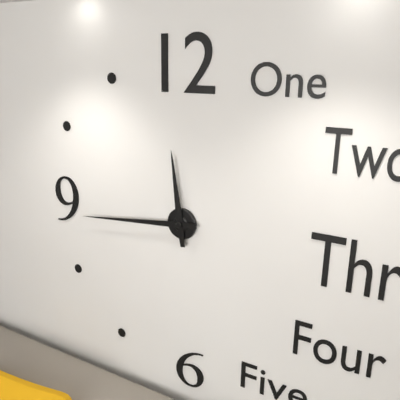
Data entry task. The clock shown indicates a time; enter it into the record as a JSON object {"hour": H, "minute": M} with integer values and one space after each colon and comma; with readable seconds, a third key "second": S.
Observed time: {"hour": 11, "minute": 44}
